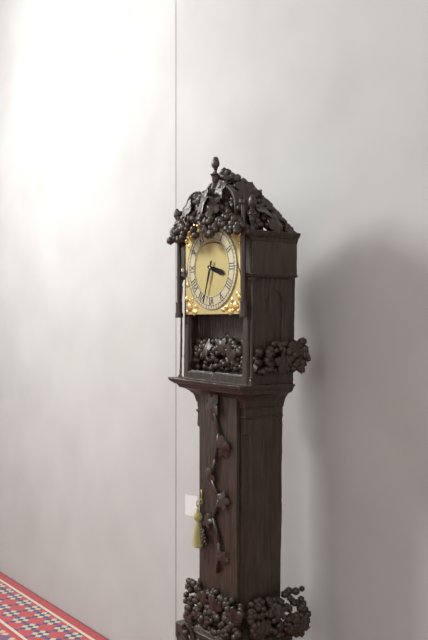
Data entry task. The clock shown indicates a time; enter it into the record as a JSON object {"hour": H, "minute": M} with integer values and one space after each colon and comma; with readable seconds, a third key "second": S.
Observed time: {"hour": 3, "minute": 33}
